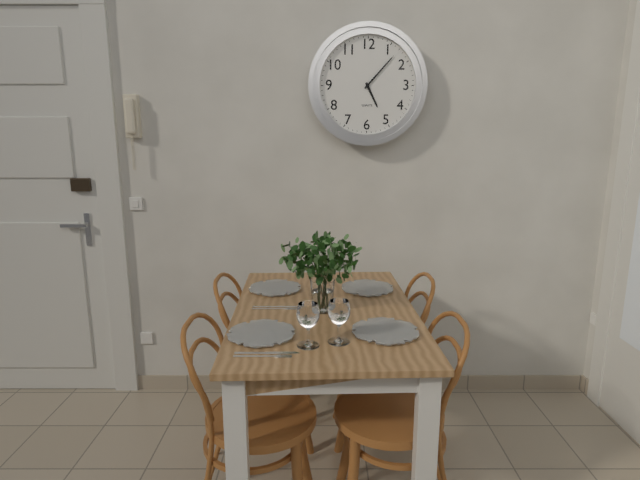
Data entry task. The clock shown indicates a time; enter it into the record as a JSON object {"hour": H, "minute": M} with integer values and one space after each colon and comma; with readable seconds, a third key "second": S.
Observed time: {"hour": 5, "minute": 7}
